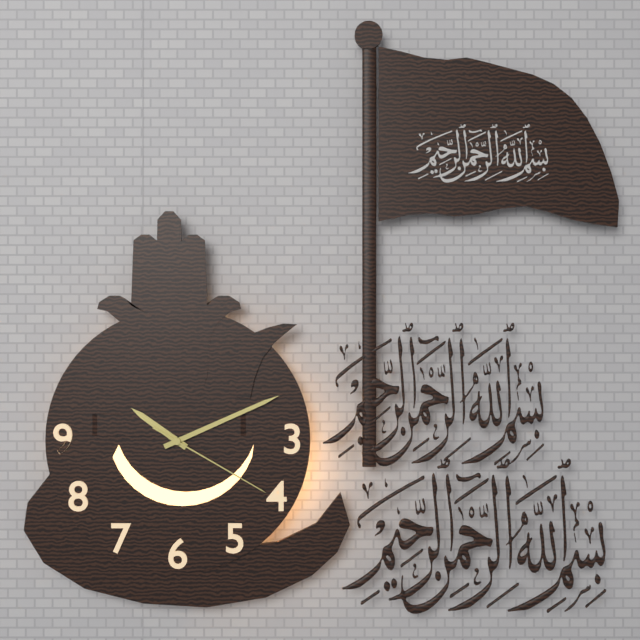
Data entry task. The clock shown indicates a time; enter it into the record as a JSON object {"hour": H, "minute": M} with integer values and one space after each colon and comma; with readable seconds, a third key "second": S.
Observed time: {"hour": 10, "minute": 11, "second": 20}
